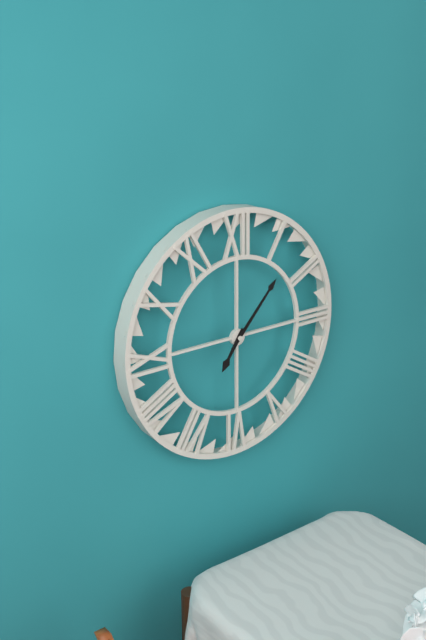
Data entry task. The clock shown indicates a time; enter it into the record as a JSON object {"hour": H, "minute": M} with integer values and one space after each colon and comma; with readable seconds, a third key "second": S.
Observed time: {"hour": 7, "minute": 7}
